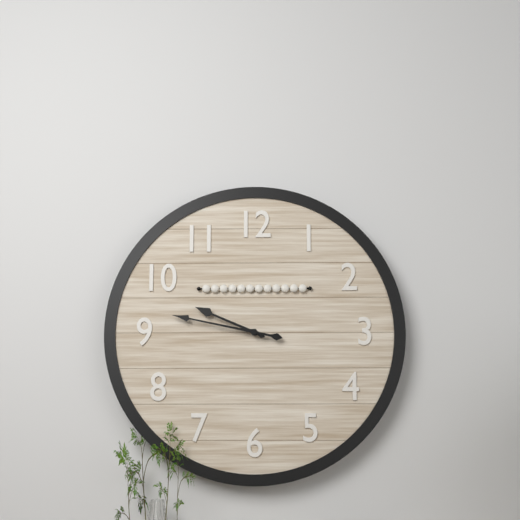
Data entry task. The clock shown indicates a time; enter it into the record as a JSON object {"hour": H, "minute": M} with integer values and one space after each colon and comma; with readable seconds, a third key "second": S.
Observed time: {"hour": 9, "minute": 47}
